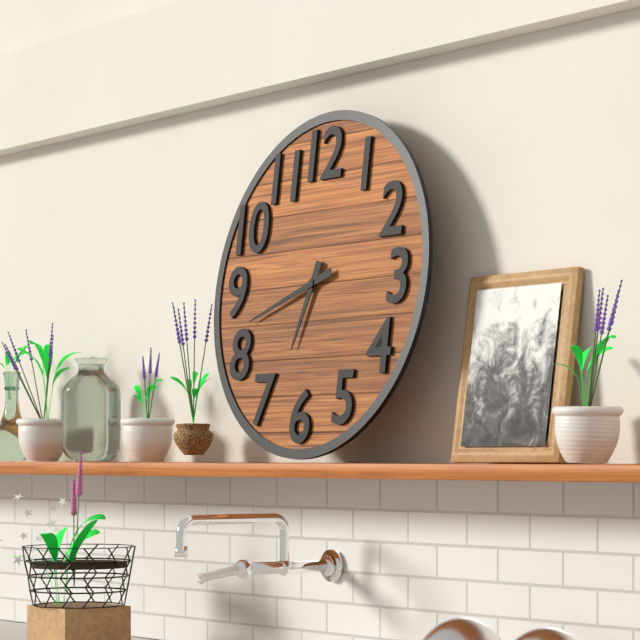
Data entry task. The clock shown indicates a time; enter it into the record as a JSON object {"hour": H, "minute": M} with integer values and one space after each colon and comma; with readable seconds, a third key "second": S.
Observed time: {"hour": 6, "minute": 42}
